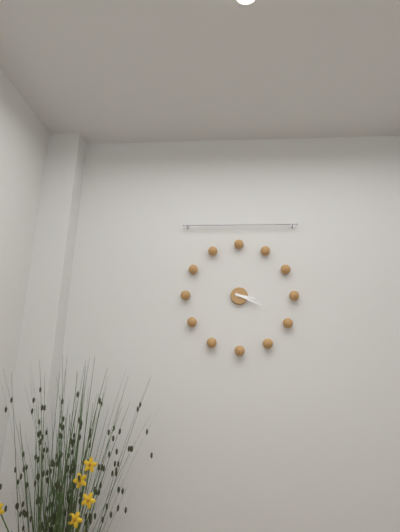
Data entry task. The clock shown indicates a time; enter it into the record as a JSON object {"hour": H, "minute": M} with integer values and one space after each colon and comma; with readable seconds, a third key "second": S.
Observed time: {"hour": 3, "minute": 19}
